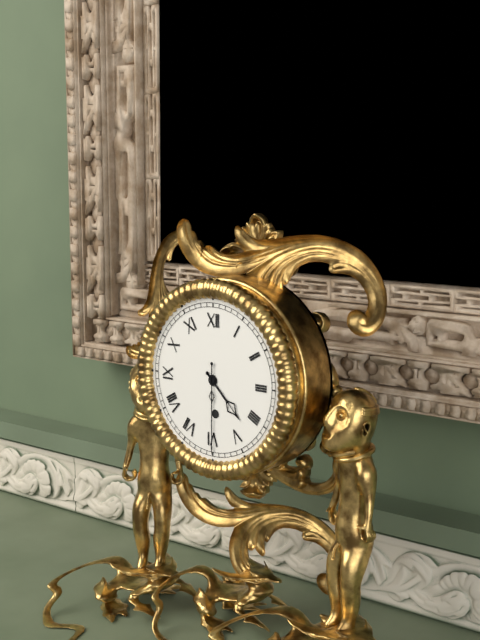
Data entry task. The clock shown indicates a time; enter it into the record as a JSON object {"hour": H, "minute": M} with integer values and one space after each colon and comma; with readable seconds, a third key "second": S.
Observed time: {"hour": 4, "minute": 30}
